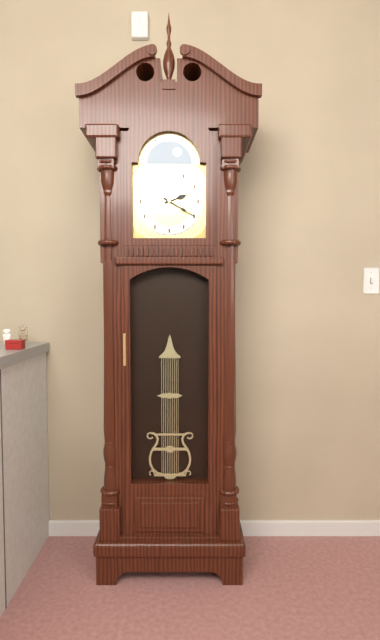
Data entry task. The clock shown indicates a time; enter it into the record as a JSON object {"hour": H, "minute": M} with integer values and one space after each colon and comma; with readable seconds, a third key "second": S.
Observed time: {"hour": 2, "minute": 20}
